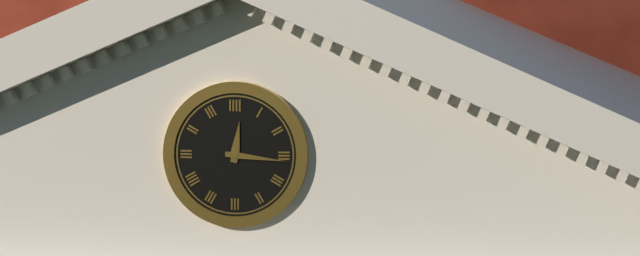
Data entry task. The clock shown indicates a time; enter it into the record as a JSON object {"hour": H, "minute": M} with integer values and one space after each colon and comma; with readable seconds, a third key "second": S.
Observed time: {"hour": 12, "minute": 16}
